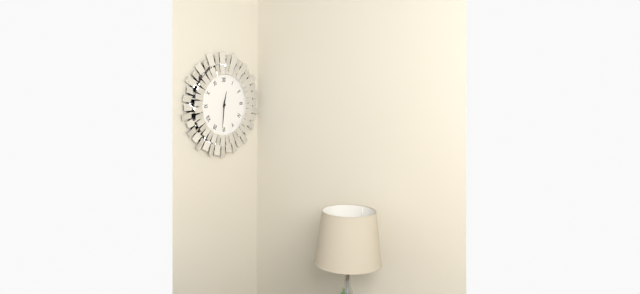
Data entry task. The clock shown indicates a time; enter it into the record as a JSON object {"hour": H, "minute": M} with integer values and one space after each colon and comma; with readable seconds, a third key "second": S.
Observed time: {"hour": 12, "minute": 31}
